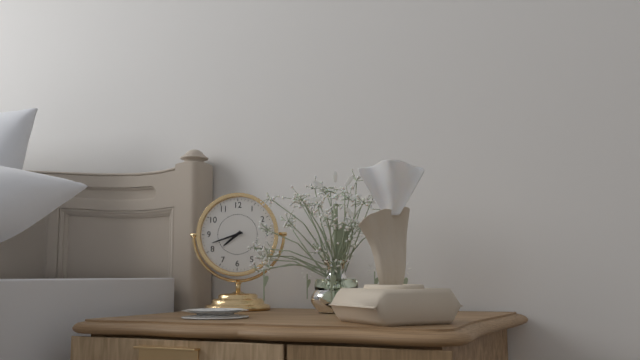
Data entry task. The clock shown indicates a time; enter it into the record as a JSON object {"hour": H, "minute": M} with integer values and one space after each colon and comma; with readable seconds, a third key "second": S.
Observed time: {"hour": 7, "minute": 42}
